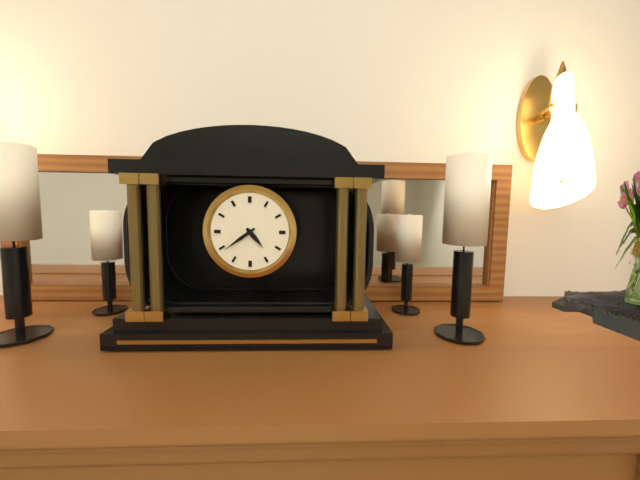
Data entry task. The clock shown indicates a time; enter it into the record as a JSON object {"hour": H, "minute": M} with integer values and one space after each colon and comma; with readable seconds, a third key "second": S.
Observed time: {"hour": 4, "minute": 39}
